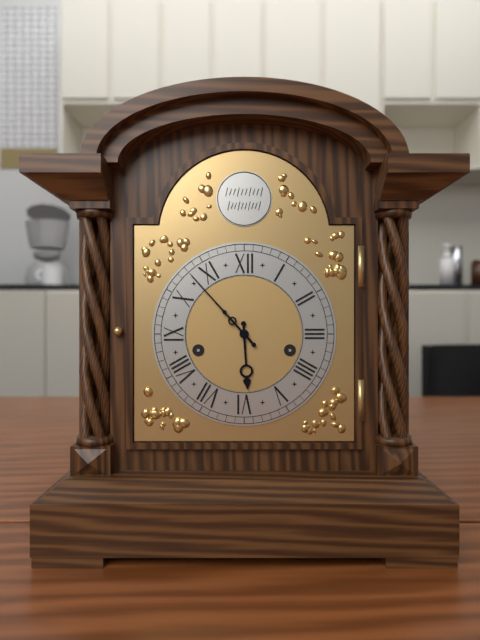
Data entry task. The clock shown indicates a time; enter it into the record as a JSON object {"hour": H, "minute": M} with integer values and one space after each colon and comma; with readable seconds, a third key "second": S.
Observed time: {"hour": 5, "minute": 53}
